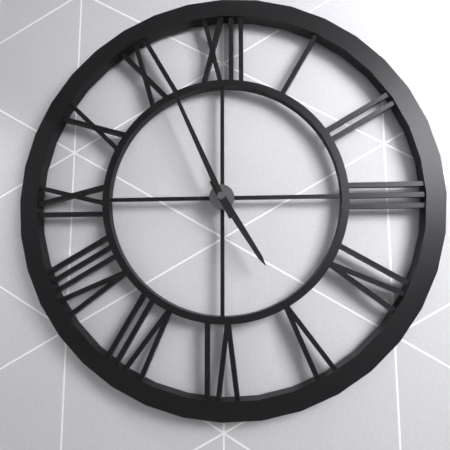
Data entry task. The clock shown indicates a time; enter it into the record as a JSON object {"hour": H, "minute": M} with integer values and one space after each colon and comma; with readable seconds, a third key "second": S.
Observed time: {"hour": 4, "minute": 56}
